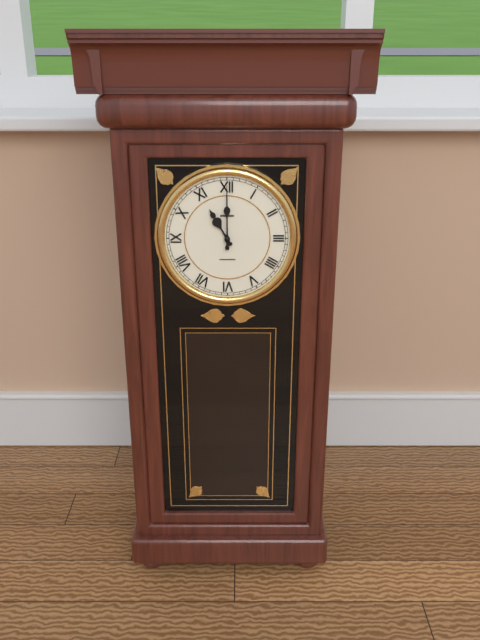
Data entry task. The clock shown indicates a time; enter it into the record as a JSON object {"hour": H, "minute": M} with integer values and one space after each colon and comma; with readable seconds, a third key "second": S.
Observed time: {"hour": 11, "minute": 0}
